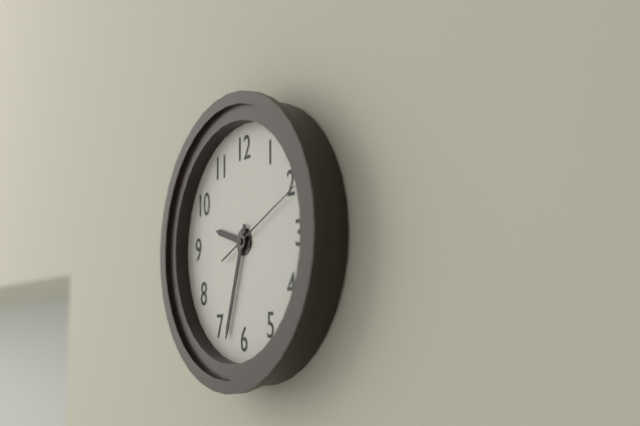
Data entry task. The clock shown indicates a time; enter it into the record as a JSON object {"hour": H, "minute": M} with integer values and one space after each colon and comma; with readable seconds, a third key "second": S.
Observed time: {"hour": 9, "minute": 33, "second": 11}
